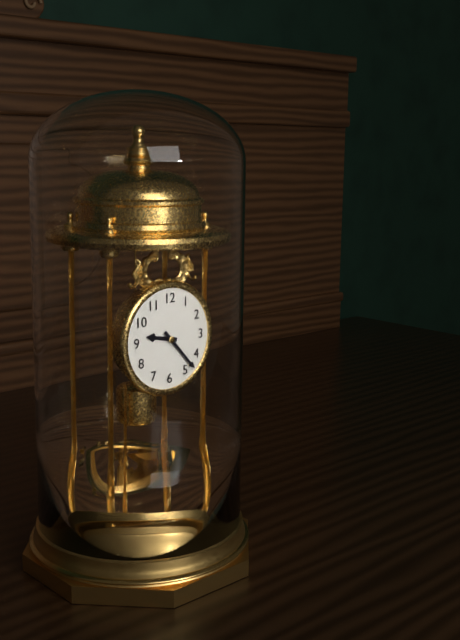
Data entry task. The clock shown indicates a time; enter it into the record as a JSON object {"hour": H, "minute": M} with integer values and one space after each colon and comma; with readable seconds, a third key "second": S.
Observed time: {"hour": 9, "minute": 23}
